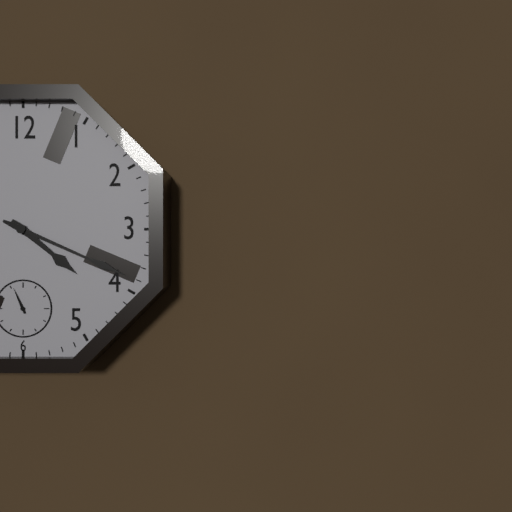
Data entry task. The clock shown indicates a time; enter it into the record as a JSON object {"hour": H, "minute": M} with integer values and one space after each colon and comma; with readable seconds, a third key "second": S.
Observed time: {"hour": 4, "minute": 19}
